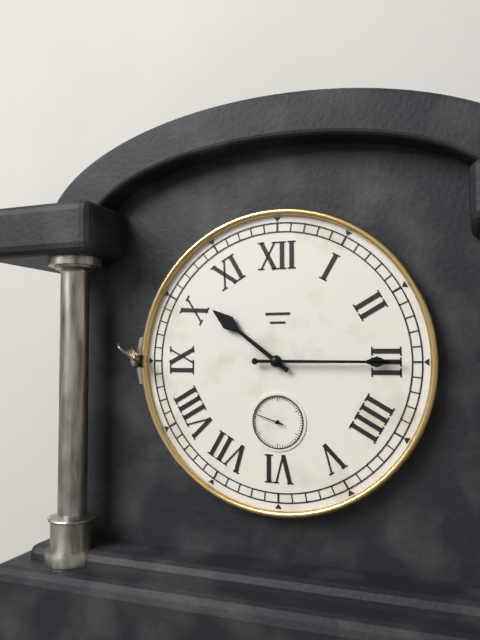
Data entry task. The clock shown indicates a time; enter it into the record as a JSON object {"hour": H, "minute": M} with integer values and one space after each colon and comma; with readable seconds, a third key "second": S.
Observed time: {"hour": 10, "minute": 15}
